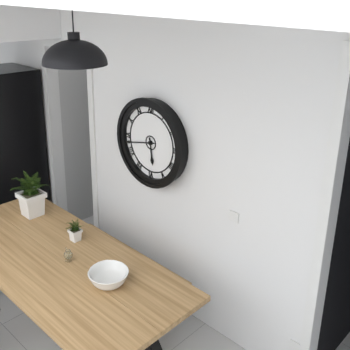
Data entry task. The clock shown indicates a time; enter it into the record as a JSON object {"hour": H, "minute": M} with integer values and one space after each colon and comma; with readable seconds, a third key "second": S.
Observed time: {"hour": 5, "minute": 43}
